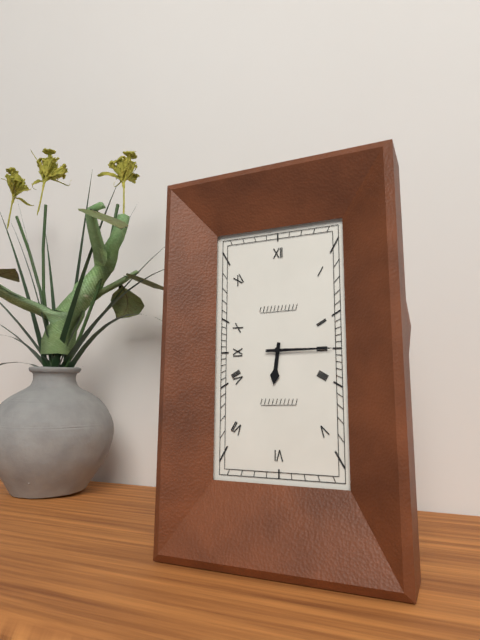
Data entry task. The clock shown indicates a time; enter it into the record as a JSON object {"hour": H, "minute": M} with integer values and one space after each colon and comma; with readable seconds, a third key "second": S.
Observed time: {"hour": 6, "minute": 15}
